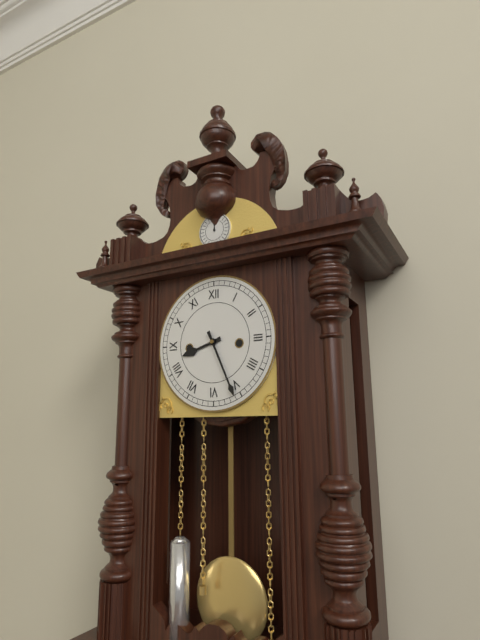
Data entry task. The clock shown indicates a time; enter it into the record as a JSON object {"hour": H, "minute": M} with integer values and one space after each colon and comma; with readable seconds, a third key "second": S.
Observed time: {"hour": 8, "minute": 26}
